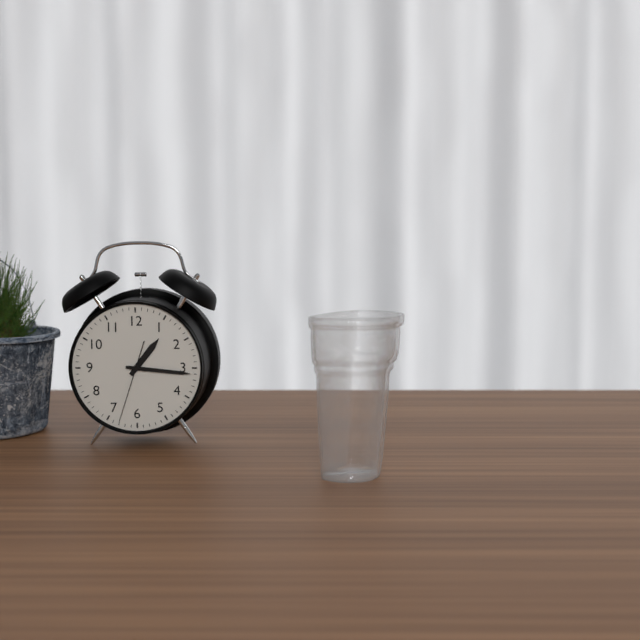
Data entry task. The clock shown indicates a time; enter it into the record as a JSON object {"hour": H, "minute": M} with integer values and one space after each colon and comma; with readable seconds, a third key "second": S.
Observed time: {"hour": 1, "minute": 16, "second": 33}
